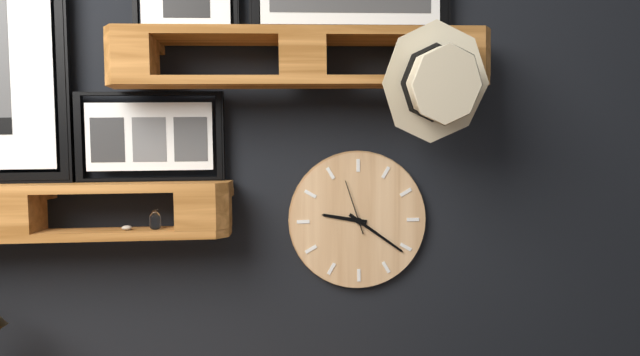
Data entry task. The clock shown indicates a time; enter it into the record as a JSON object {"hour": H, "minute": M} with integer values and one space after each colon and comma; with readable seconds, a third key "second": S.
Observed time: {"hour": 9, "minute": 21, "second": 57}
